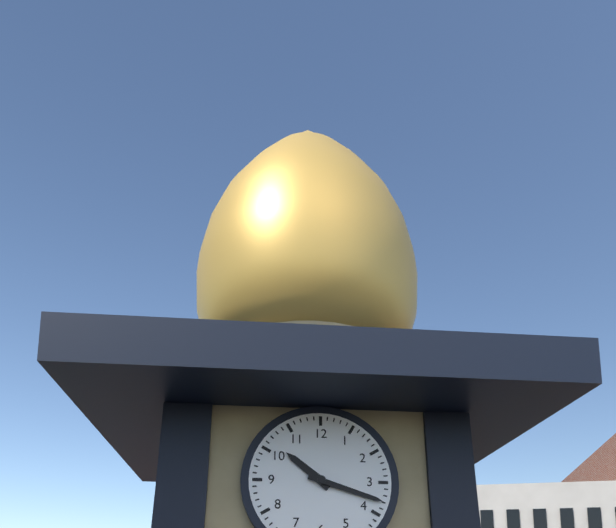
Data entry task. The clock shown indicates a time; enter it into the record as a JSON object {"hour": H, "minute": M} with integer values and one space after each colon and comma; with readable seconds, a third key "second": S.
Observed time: {"hour": 10, "minute": 18}
